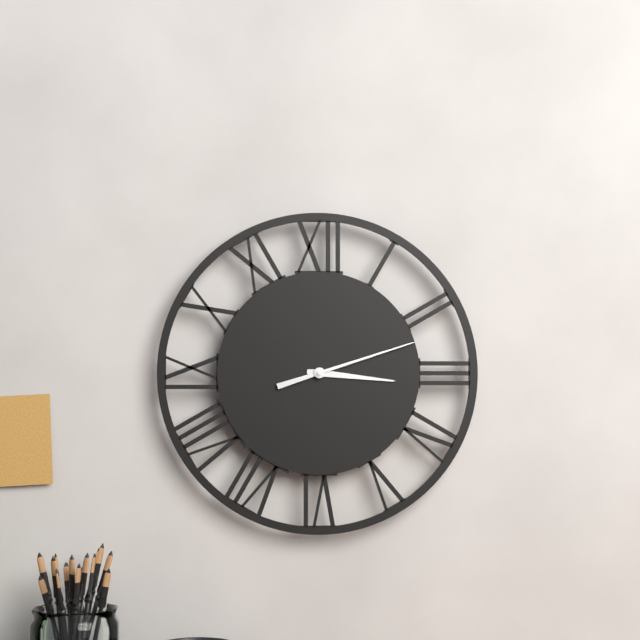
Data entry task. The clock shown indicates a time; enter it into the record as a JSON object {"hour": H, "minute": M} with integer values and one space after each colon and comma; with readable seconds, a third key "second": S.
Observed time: {"hour": 3, "minute": 12}
